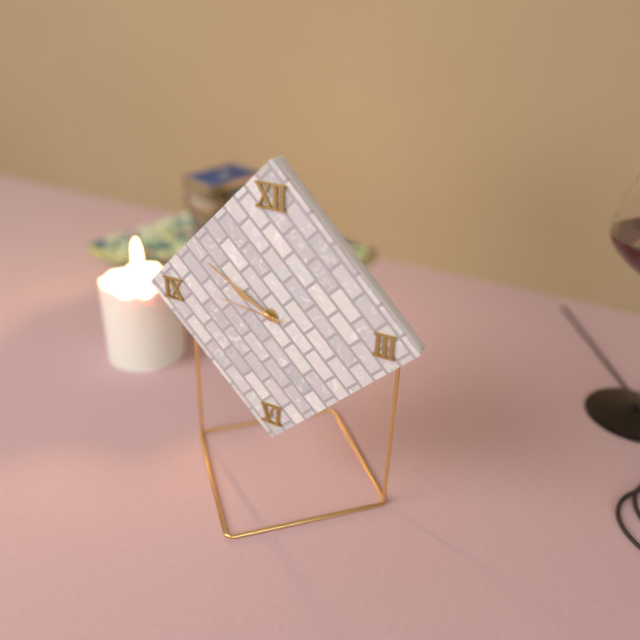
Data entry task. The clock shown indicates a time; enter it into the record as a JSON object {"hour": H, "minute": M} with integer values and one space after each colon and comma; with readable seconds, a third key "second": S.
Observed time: {"hour": 9, "minute": 50, "second": 46}
